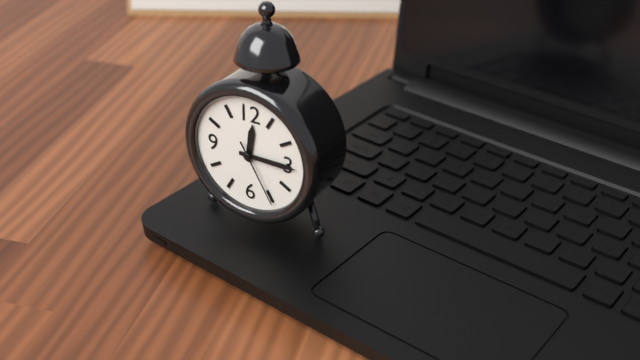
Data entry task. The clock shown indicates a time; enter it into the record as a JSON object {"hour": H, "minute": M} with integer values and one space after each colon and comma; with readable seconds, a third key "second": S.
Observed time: {"hour": 12, "minute": 15, "second": 25}
